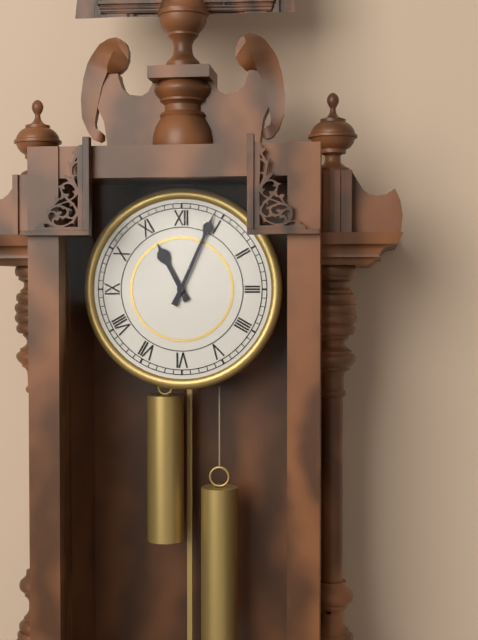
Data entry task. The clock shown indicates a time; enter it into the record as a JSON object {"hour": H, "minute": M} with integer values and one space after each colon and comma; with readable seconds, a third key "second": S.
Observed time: {"hour": 11, "minute": 4}
